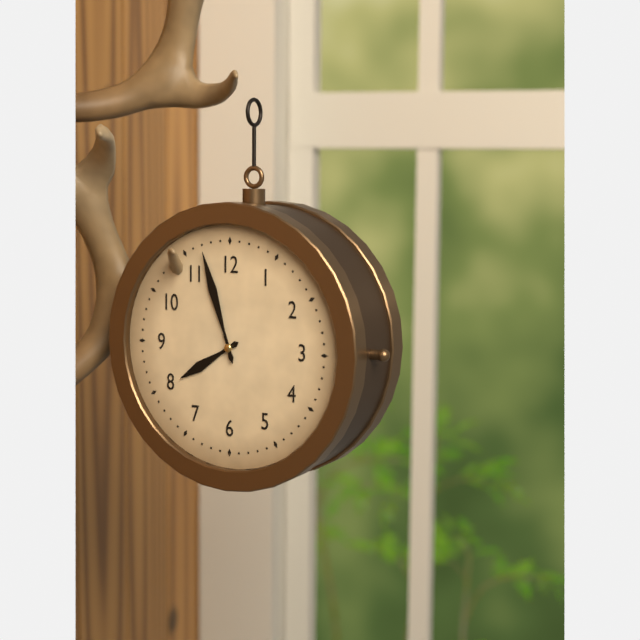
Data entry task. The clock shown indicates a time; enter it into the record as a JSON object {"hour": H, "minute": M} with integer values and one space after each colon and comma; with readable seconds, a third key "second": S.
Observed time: {"hour": 7, "minute": 57}
